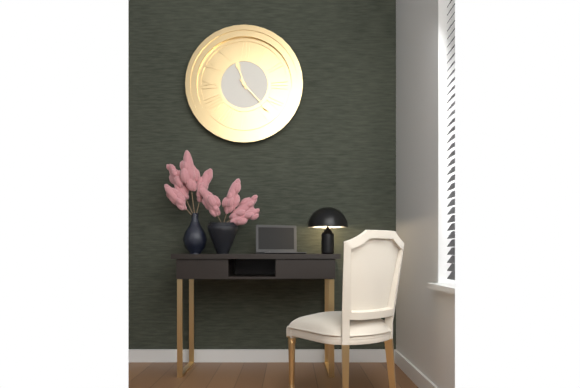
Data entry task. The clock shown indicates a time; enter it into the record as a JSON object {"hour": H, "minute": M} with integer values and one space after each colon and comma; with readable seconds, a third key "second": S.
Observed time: {"hour": 11, "minute": 23}
